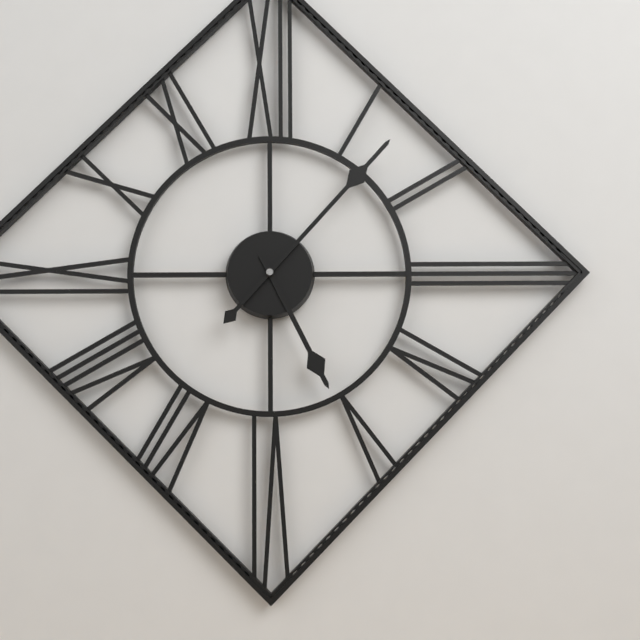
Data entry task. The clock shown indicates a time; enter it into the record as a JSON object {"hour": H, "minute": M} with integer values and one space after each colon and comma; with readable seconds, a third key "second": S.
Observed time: {"hour": 5, "minute": 7}
